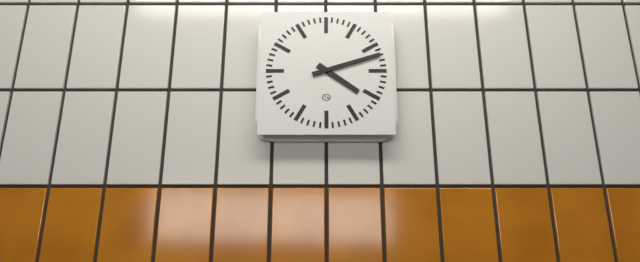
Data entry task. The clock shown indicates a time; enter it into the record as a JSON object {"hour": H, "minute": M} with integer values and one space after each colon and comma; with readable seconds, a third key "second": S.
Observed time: {"hour": 4, "minute": 12}
